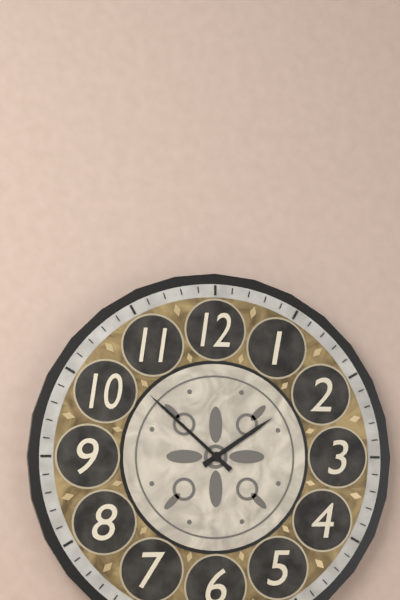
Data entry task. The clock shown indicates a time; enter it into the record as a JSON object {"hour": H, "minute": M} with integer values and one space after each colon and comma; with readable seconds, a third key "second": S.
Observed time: {"hour": 1, "minute": 52}
